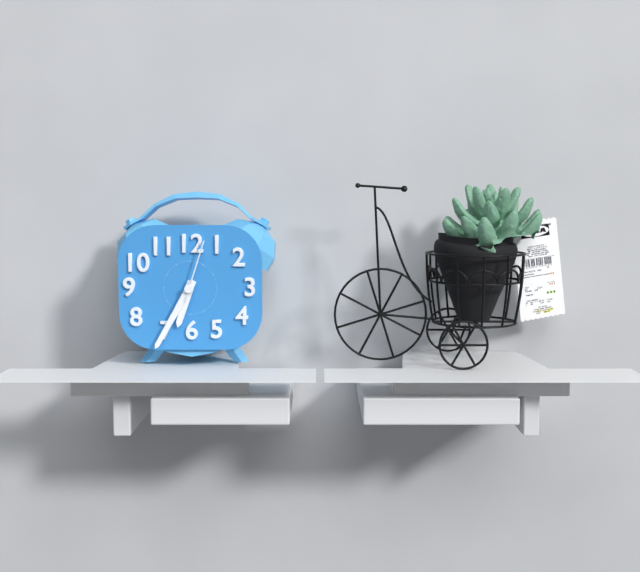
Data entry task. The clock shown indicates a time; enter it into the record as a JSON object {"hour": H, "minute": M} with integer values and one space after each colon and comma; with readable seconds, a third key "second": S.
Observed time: {"hour": 6, "minute": 35, "second": 3}
